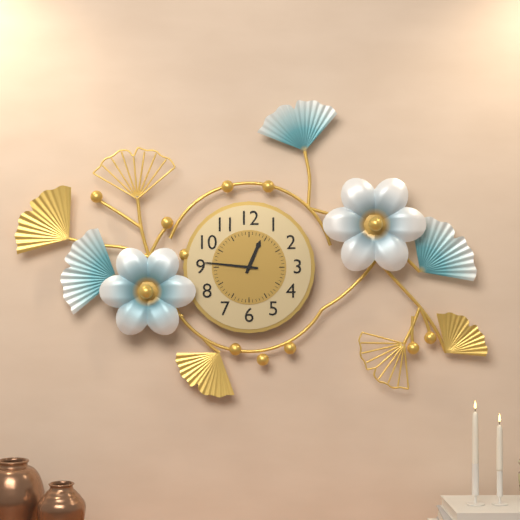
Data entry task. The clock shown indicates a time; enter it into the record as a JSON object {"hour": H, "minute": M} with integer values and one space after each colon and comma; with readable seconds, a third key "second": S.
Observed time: {"hour": 12, "minute": 46}
